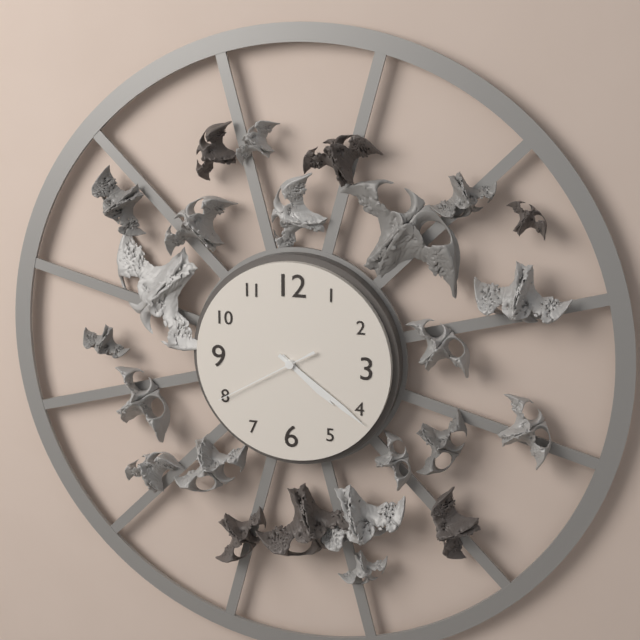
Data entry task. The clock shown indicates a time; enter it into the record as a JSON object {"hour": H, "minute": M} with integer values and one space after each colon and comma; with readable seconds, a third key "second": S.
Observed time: {"hour": 4, "minute": 21, "second": 40}
